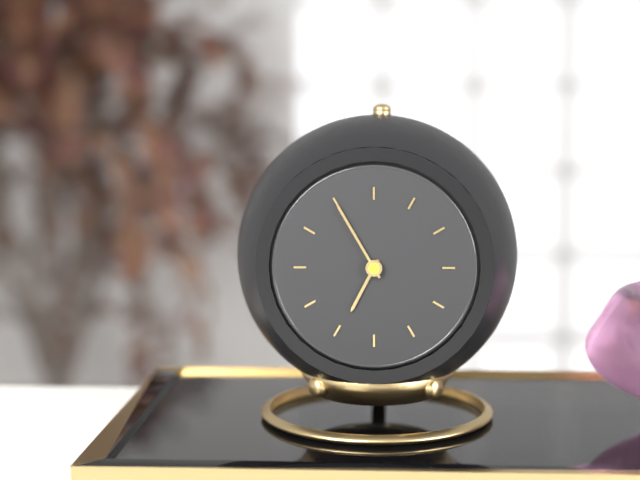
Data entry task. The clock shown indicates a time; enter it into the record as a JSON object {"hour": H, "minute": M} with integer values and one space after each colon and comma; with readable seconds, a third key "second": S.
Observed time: {"hour": 6, "minute": 55}
